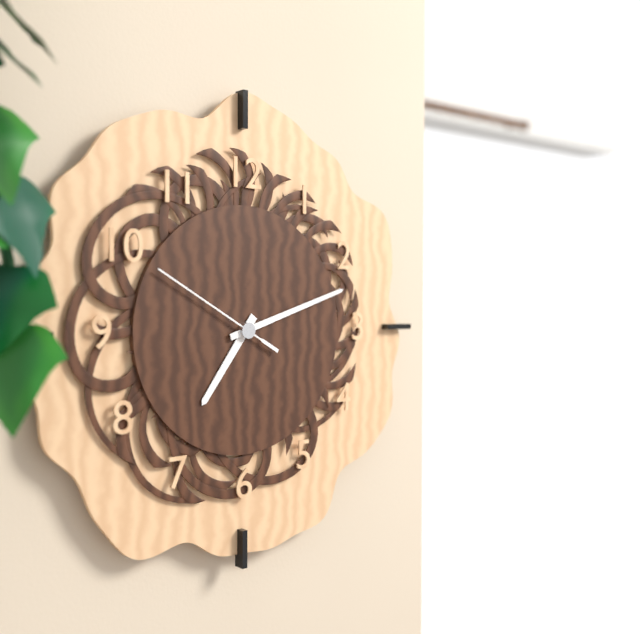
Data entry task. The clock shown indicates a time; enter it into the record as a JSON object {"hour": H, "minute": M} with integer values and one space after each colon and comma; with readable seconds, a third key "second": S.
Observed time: {"hour": 7, "minute": 12, "second": 50}
